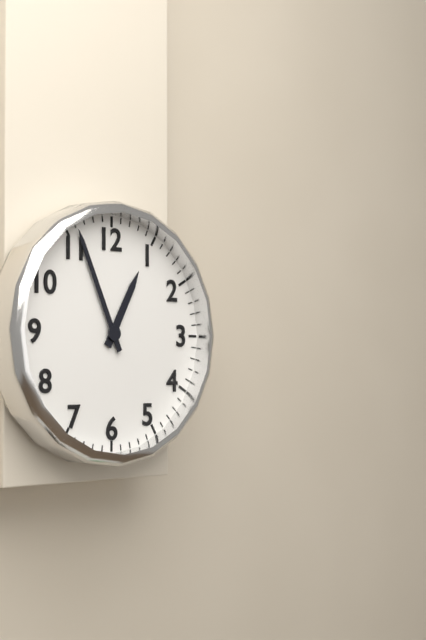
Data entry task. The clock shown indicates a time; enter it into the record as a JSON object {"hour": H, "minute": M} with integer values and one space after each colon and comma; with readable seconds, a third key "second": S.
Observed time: {"hour": 12, "minute": 56}
